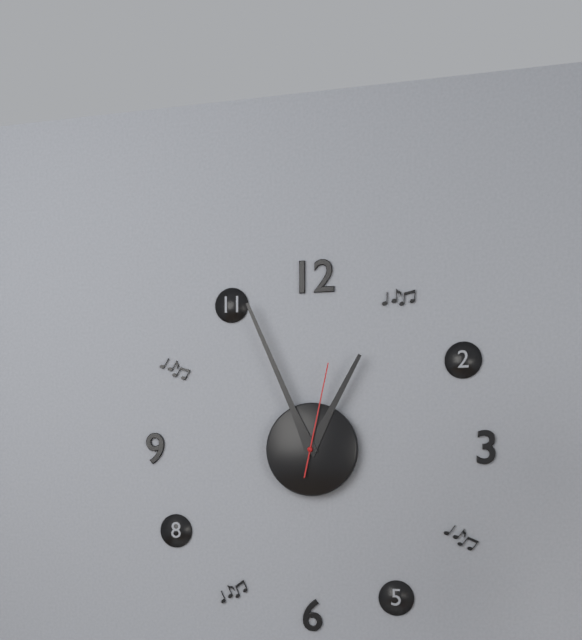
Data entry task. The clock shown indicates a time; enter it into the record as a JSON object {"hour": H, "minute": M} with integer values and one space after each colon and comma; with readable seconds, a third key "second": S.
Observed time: {"hour": 12, "minute": 56, "second": 2}
